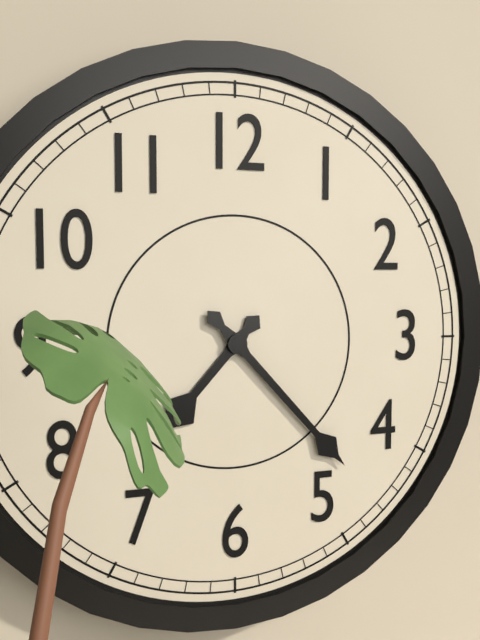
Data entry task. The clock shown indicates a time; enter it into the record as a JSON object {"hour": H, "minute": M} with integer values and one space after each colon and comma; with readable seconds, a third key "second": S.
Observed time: {"hour": 7, "minute": 23}
